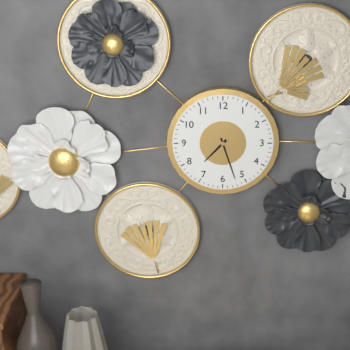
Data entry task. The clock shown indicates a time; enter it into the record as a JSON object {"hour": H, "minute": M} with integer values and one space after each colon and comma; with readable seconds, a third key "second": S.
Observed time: {"hour": 7, "minute": 27}
